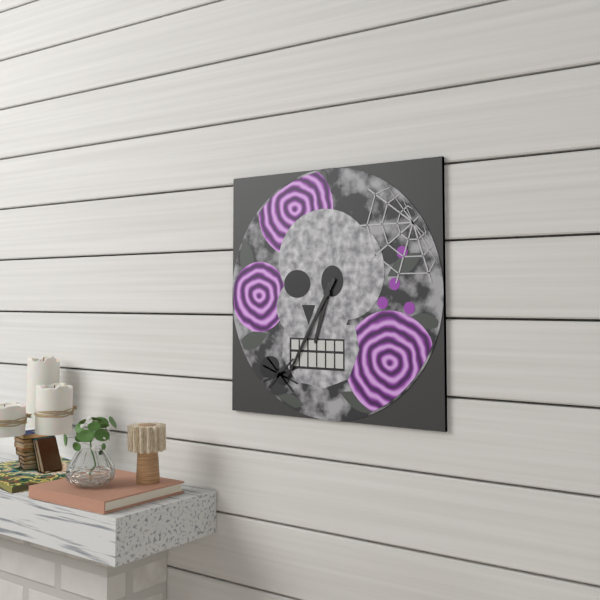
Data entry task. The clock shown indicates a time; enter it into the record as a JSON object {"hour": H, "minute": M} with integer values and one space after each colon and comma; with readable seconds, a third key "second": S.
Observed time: {"hour": 6, "minute": 35}
